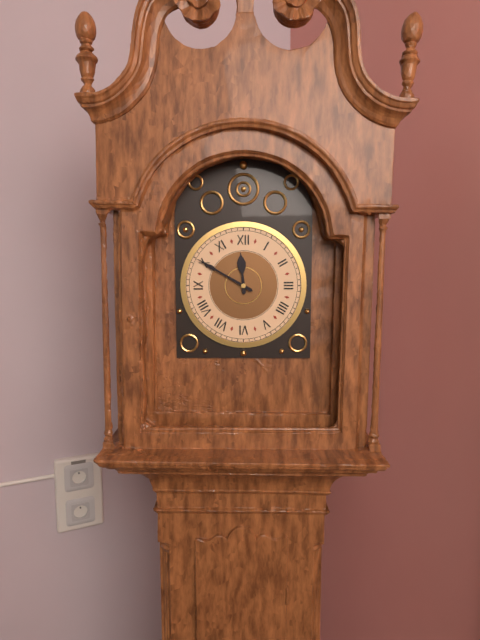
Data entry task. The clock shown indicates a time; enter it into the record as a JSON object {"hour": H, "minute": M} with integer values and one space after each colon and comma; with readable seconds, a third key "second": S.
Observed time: {"hour": 11, "minute": 50}
